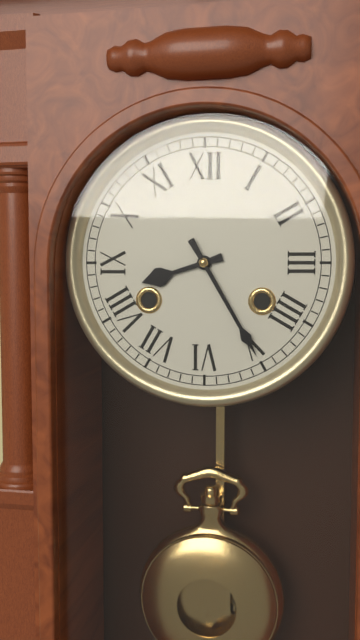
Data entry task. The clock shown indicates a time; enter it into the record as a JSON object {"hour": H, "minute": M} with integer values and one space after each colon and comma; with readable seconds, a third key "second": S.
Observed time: {"hour": 8, "minute": 25}
